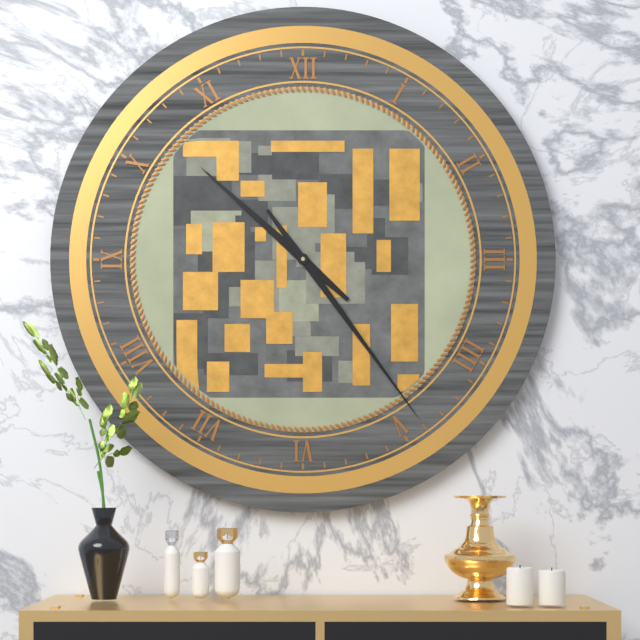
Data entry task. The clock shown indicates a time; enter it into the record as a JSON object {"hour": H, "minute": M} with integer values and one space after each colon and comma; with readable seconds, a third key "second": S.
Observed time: {"hour": 10, "minute": 24}
